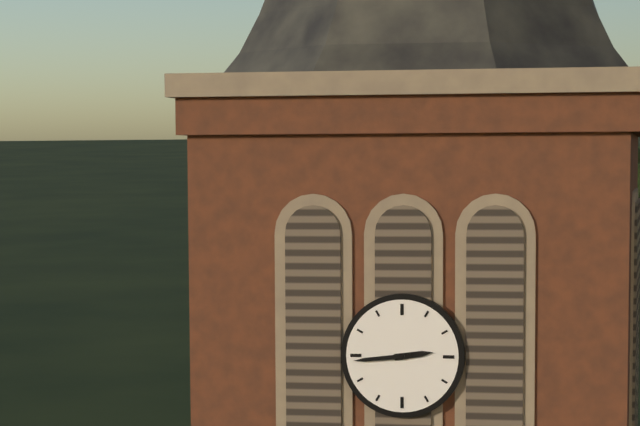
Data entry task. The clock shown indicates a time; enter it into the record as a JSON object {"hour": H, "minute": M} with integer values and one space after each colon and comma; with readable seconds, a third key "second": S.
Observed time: {"hour": 2, "minute": 44}
